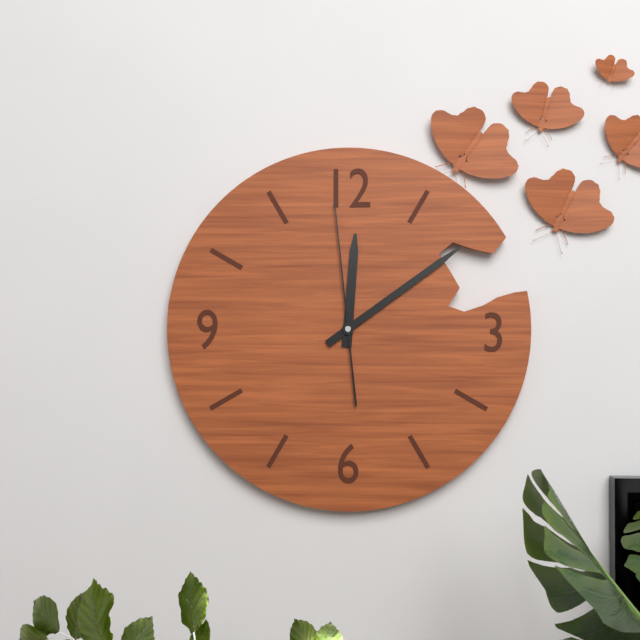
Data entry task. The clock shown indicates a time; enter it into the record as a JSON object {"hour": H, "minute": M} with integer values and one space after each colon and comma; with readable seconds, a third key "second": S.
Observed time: {"hour": 12, "minute": 9, "second": 59}
